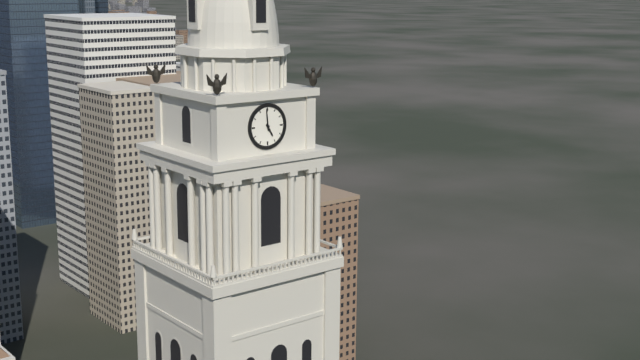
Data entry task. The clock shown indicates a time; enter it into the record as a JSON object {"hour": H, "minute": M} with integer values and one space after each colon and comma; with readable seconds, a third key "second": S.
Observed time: {"hour": 4, "minute": 59}
